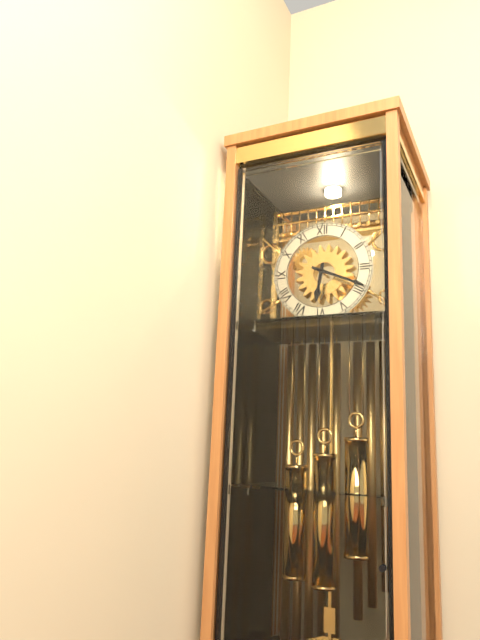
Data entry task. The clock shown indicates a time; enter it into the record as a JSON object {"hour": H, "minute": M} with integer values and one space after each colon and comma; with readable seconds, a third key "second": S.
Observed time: {"hour": 6, "minute": 19}
